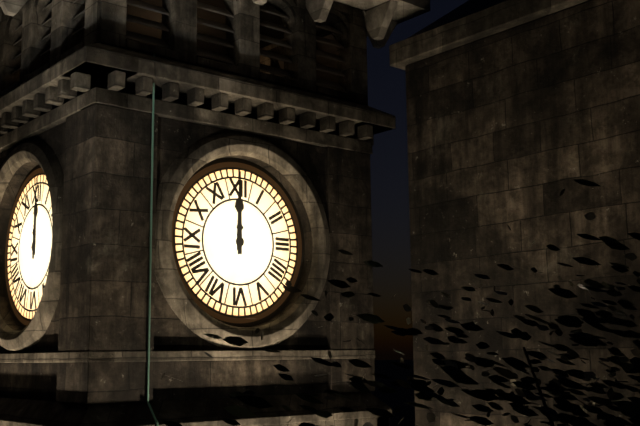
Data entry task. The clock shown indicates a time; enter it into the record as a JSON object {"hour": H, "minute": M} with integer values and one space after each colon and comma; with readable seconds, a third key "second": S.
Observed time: {"hour": 12, "minute": 0}
